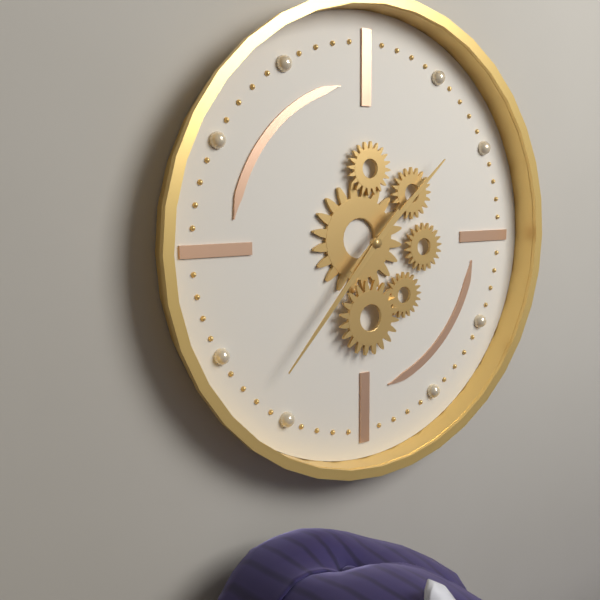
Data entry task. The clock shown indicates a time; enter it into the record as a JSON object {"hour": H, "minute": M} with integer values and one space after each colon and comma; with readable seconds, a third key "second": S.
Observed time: {"hour": 1, "minute": 37}
